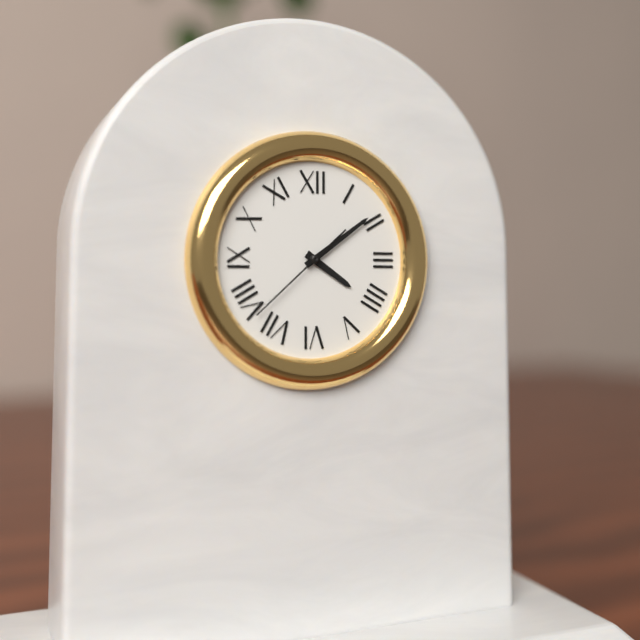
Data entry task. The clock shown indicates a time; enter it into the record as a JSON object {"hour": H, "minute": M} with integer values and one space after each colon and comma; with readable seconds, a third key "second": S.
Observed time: {"hour": 4, "minute": 9, "second": 38}
